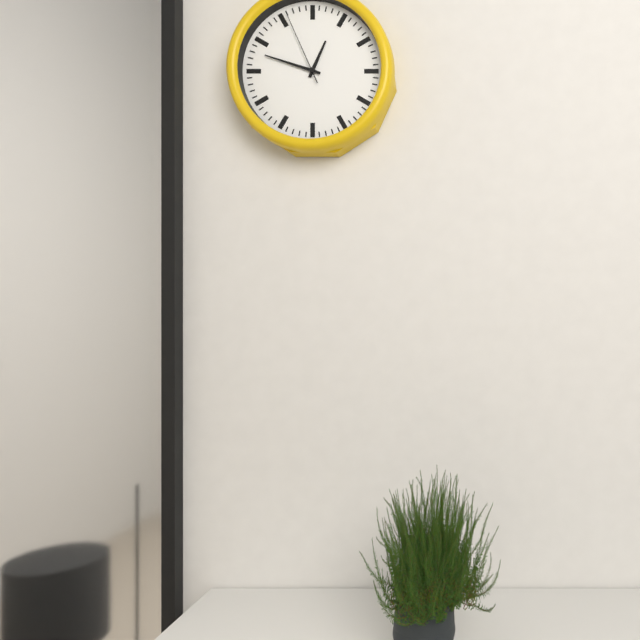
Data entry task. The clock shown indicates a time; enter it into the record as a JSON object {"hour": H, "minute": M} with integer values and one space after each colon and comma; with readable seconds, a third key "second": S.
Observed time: {"hour": 12, "minute": 48, "second": 56}
